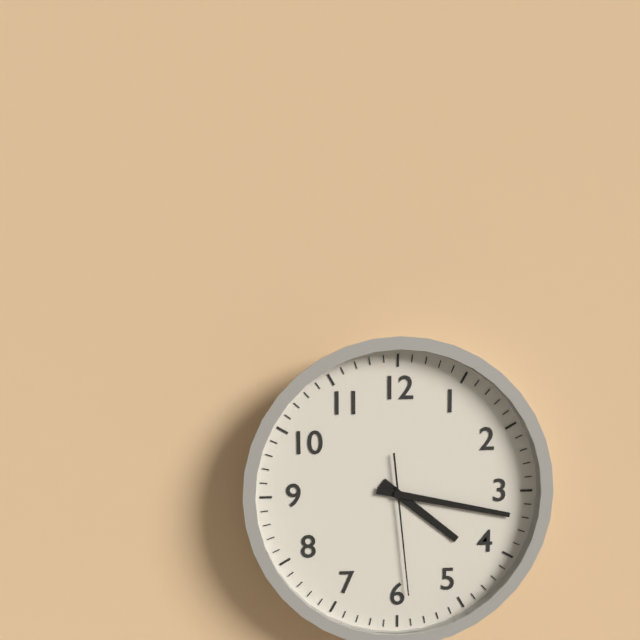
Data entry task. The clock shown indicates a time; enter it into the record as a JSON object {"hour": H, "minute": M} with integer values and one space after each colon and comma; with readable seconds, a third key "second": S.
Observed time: {"hour": 4, "minute": 17, "second": 29}
